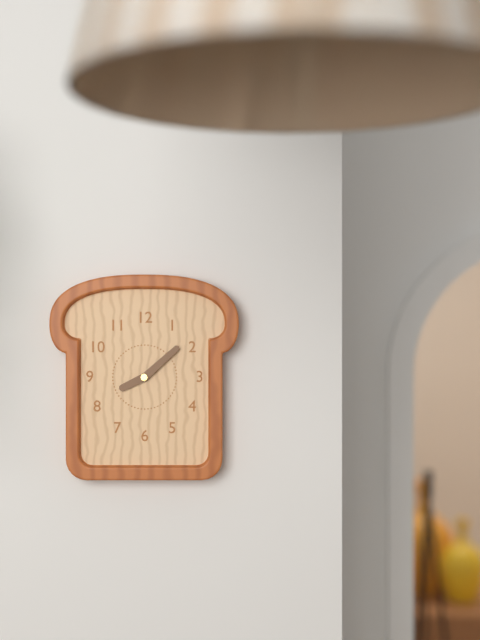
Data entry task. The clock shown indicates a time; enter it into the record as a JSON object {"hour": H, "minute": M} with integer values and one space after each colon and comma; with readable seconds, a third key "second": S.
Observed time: {"hour": 8, "minute": 8}
